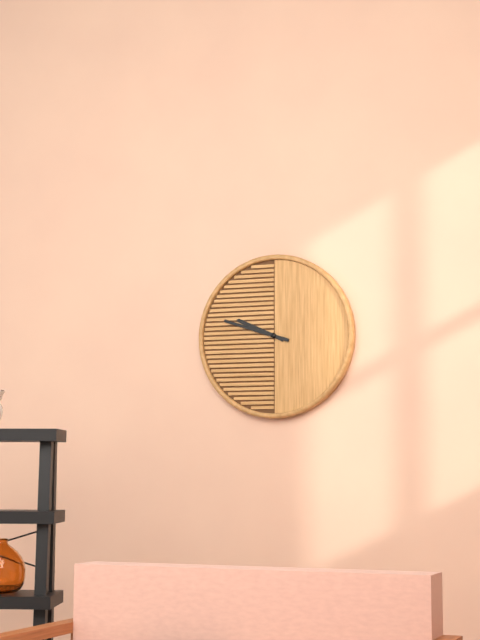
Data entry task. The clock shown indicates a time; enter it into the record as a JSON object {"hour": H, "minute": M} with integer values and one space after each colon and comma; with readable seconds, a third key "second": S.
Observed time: {"hour": 9, "minute": 48}
